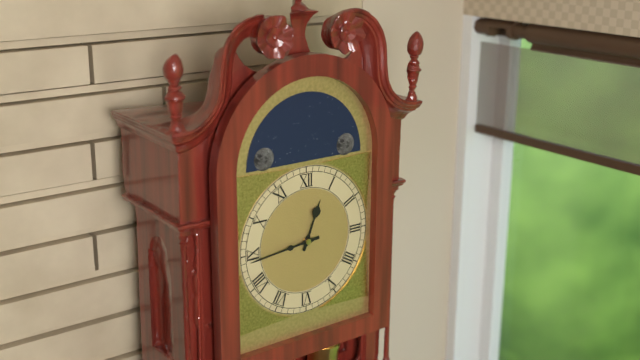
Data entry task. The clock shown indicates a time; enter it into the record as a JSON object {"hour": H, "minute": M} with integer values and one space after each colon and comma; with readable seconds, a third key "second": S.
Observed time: {"hour": 12, "minute": 44}
